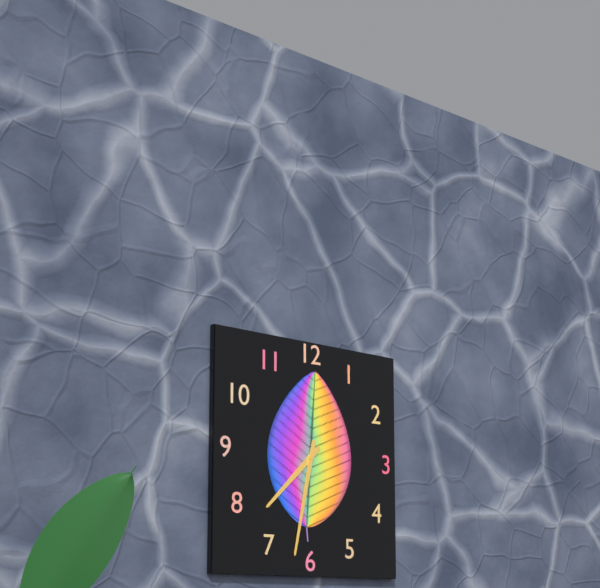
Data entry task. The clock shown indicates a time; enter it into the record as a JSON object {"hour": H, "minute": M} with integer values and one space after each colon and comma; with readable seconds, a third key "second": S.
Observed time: {"hour": 7, "minute": 32}
